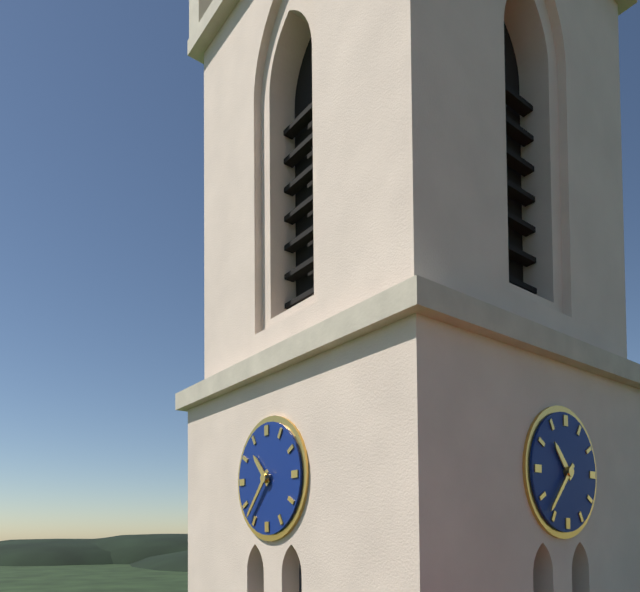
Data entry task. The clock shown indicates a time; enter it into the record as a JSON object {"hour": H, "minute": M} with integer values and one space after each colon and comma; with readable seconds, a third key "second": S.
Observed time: {"hour": 10, "minute": 37}
